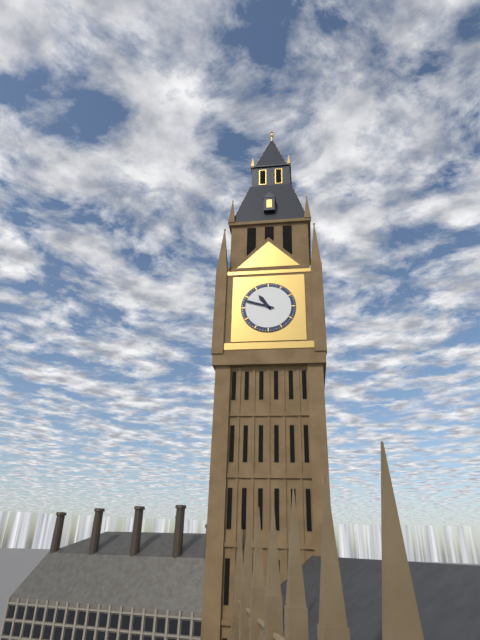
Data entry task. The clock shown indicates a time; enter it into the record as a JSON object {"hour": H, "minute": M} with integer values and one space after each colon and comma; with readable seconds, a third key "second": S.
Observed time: {"hour": 10, "minute": 48}
